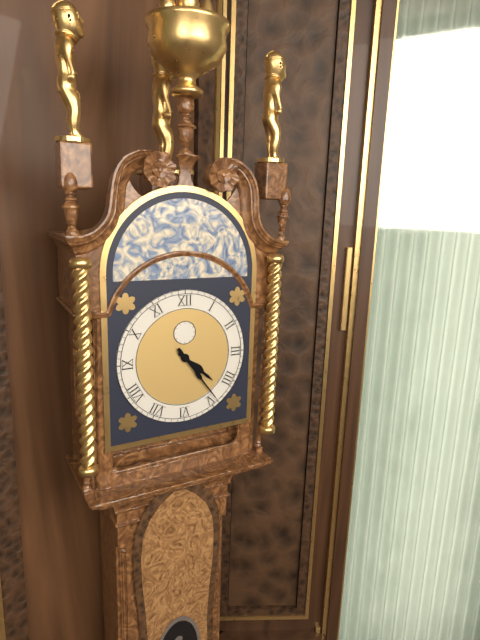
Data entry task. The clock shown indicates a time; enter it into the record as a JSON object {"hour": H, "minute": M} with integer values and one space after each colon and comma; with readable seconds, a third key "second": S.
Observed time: {"hour": 4, "minute": 24}
